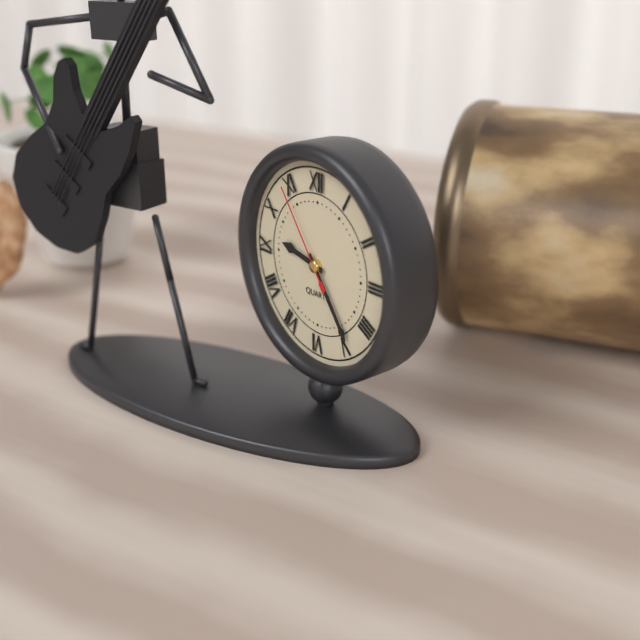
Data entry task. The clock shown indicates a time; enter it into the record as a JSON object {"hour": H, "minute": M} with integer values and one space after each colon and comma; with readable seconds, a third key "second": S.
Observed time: {"hour": 9, "minute": 24, "second": 54}
